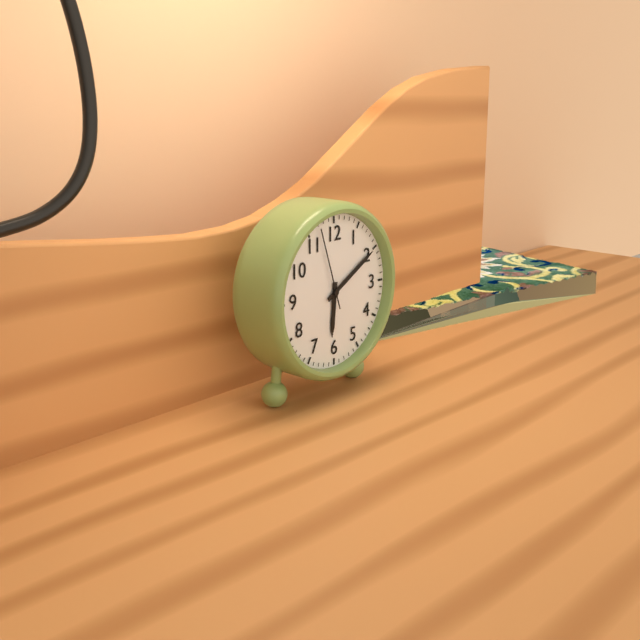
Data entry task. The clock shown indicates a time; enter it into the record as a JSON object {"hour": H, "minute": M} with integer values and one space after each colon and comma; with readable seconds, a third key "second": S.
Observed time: {"hour": 6, "minute": 10, "second": 57}
